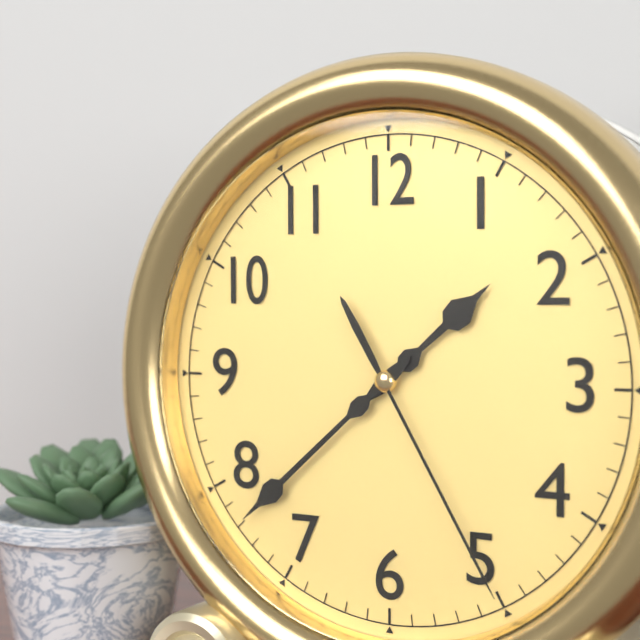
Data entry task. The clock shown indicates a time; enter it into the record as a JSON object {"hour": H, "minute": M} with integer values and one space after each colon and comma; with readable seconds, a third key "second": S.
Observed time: {"hour": 1, "minute": 38, "second": 25}
